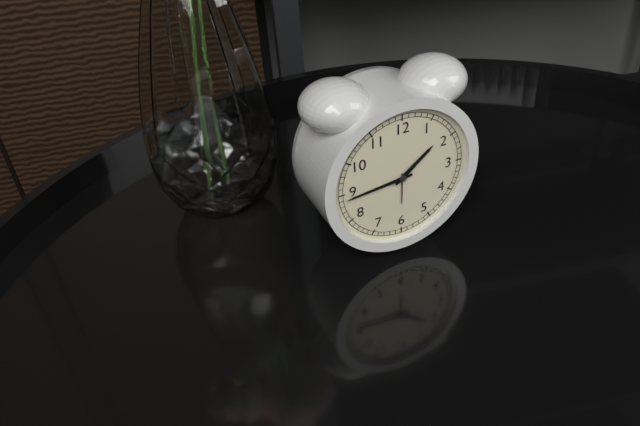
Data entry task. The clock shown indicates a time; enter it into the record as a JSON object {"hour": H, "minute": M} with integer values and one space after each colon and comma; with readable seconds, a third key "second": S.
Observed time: {"hour": 1, "minute": 44}
